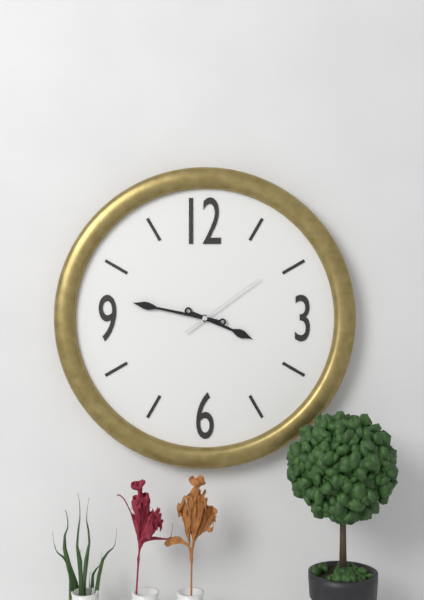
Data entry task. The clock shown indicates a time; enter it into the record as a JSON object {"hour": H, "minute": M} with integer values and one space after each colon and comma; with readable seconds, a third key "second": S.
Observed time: {"hour": 3, "minute": 47, "second": 9}
